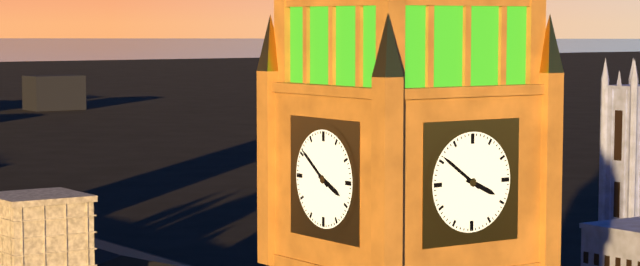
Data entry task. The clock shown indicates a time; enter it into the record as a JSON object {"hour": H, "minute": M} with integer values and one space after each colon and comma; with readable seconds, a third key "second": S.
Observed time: {"hour": 3, "minute": 51}
